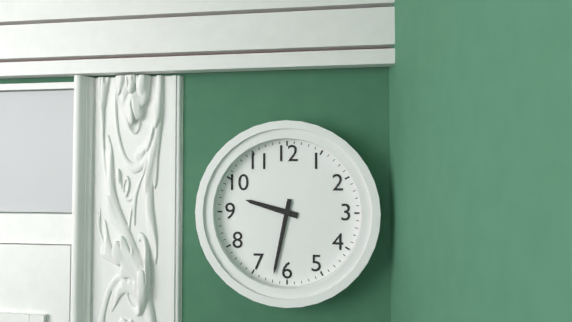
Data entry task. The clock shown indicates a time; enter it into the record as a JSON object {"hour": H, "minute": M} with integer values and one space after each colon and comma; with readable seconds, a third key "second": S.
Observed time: {"hour": 9, "minute": 32}
